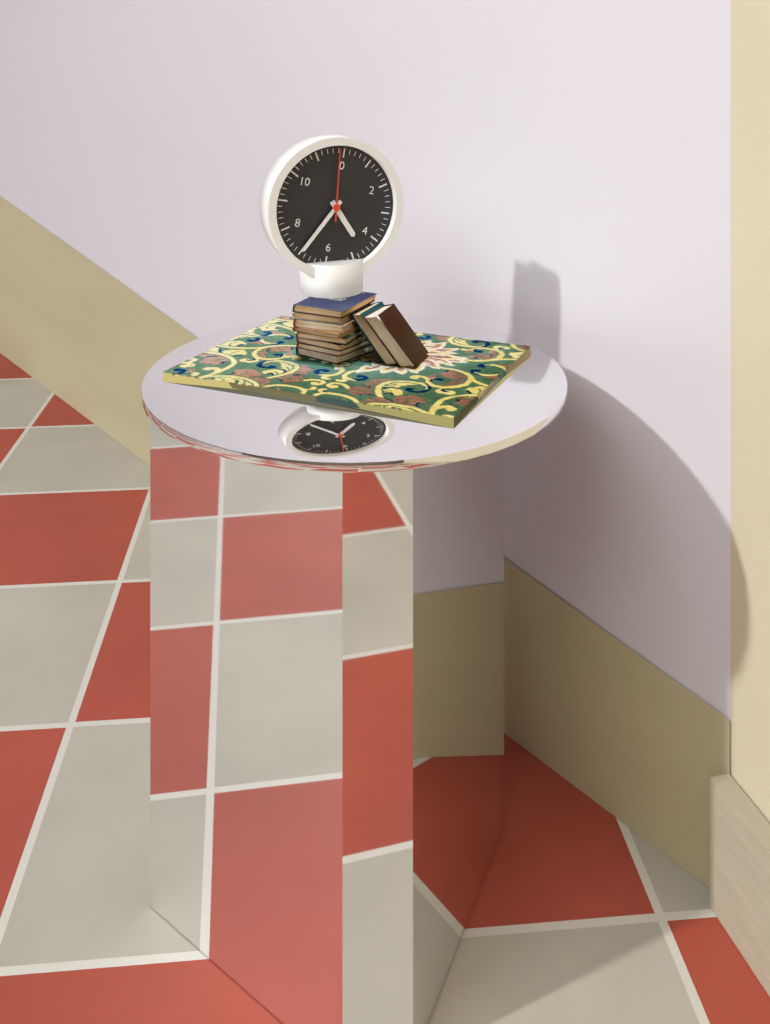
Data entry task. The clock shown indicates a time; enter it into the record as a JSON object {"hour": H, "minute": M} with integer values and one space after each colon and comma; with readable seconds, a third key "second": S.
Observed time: {"hour": 4, "minute": 35, "second": 59}
